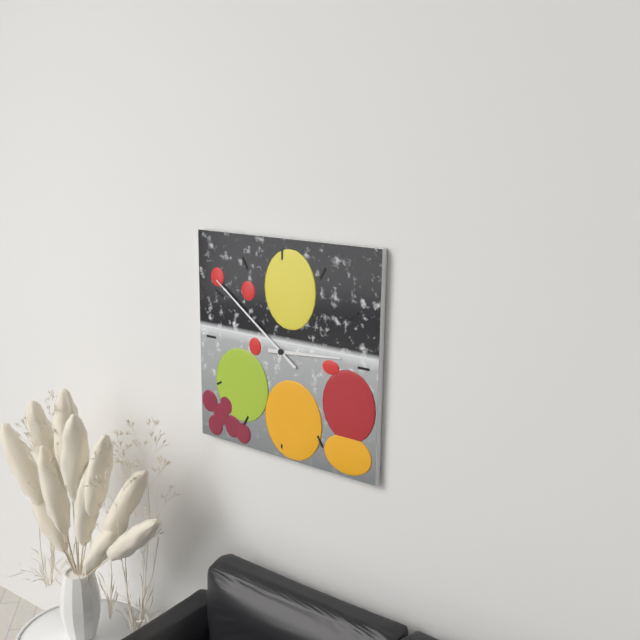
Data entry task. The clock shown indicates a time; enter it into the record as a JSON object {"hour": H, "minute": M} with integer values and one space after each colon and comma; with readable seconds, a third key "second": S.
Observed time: {"hour": 2, "minute": 51}
